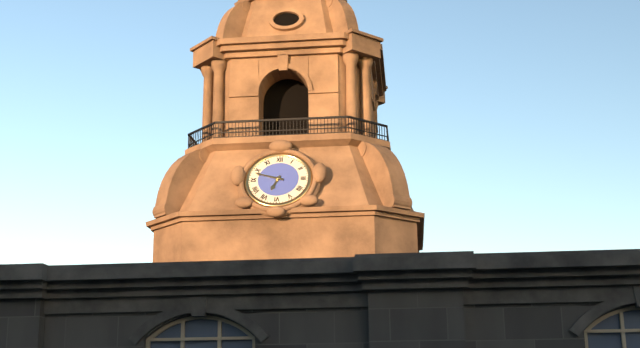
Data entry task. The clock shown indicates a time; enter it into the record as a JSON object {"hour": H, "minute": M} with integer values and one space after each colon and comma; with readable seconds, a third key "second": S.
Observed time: {"hour": 6, "minute": 48}
